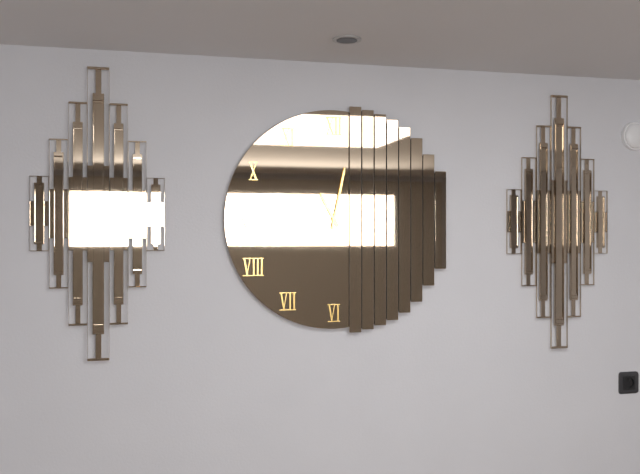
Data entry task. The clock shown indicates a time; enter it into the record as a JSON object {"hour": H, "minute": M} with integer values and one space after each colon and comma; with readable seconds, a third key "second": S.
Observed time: {"hour": 11, "minute": 2}
